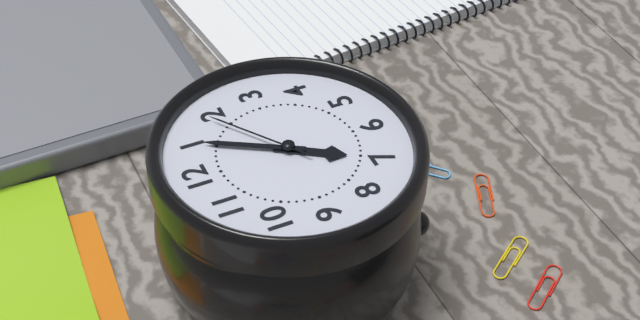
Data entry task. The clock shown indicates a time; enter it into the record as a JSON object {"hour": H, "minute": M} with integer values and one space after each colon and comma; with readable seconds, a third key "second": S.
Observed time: {"hour": 7, "minute": 5, "second": 9}
